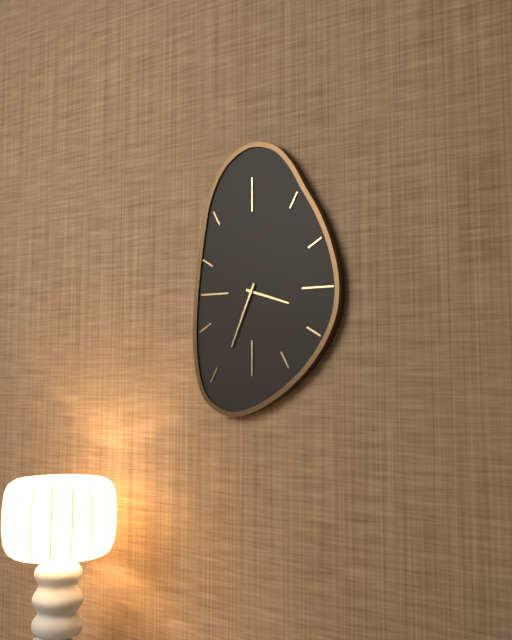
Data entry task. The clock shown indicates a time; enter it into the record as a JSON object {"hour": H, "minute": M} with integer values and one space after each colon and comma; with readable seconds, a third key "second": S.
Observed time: {"hour": 3, "minute": 34}
